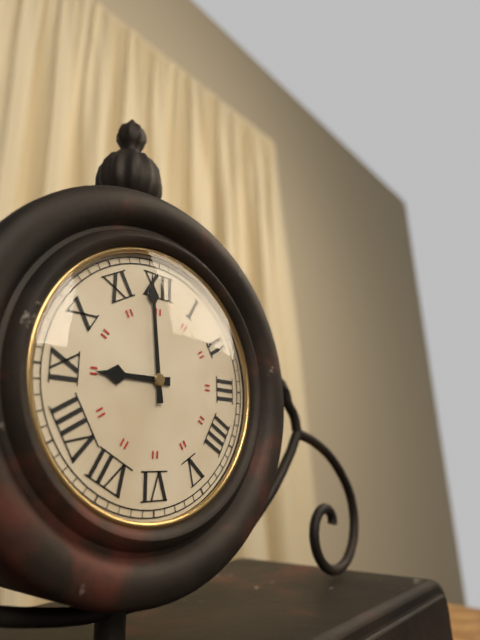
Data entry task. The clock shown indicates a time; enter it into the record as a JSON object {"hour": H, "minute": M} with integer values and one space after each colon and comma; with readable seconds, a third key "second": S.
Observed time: {"hour": 8, "minute": 59}
